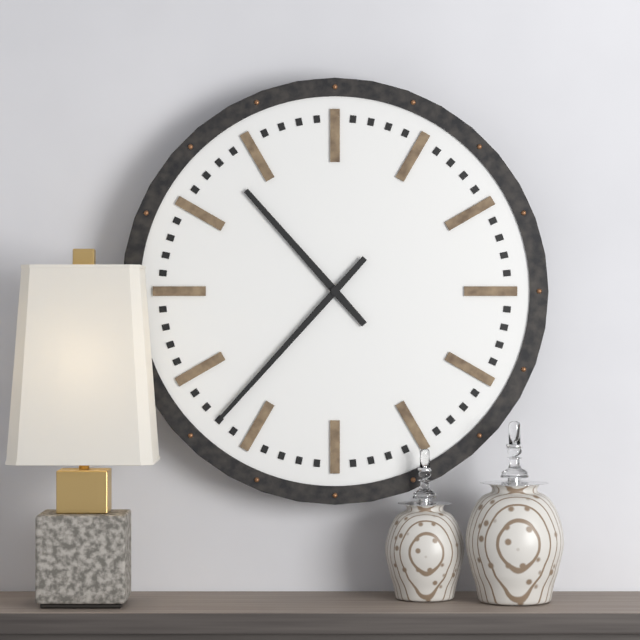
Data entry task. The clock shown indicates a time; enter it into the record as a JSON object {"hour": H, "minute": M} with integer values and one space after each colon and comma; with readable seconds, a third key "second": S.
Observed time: {"hour": 10, "minute": 37}
